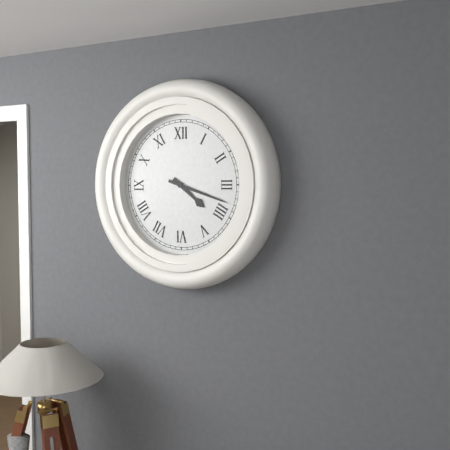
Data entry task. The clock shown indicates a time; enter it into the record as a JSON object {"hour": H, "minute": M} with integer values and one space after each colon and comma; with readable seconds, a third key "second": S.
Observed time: {"hour": 4, "minute": 18}
